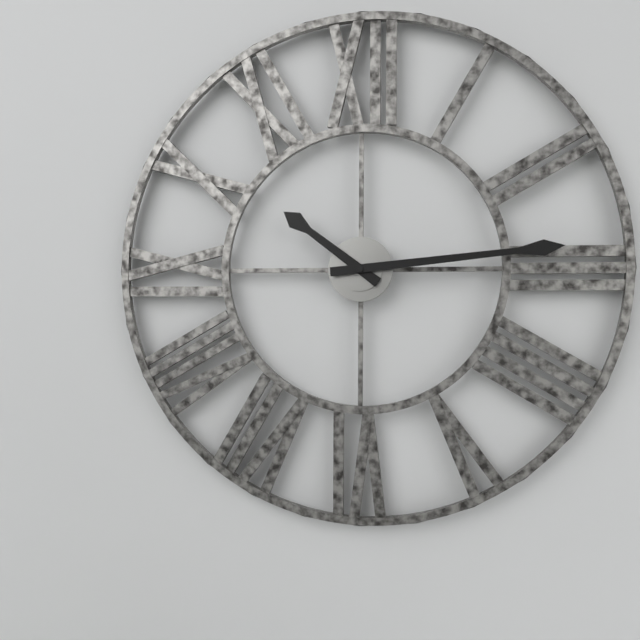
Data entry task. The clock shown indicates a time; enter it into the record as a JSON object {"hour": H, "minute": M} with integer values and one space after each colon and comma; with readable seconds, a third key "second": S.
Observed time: {"hour": 10, "minute": 14}
